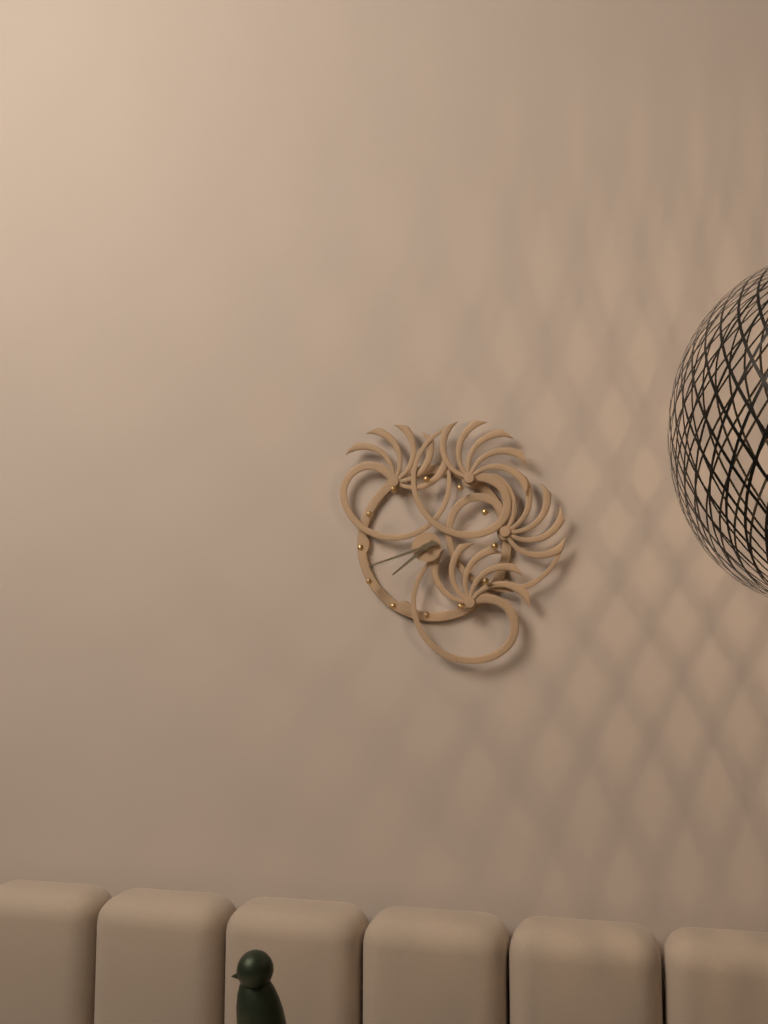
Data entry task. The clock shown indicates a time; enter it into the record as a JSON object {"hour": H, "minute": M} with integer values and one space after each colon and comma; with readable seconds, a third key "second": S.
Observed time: {"hour": 7, "minute": 42}
